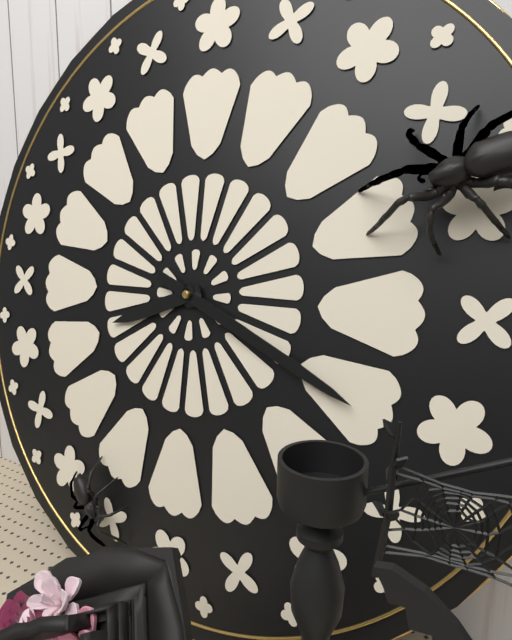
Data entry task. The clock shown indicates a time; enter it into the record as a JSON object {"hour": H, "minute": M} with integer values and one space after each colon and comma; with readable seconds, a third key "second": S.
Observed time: {"hour": 8, "minute": 19}
